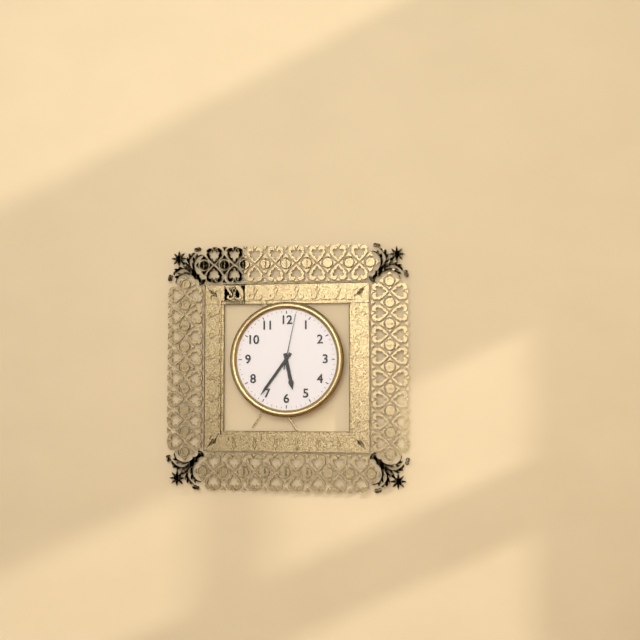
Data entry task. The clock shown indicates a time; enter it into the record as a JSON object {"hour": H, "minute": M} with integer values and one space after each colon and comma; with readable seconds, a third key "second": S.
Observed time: {"hour": 5, "minute": 36, "second": 2}
